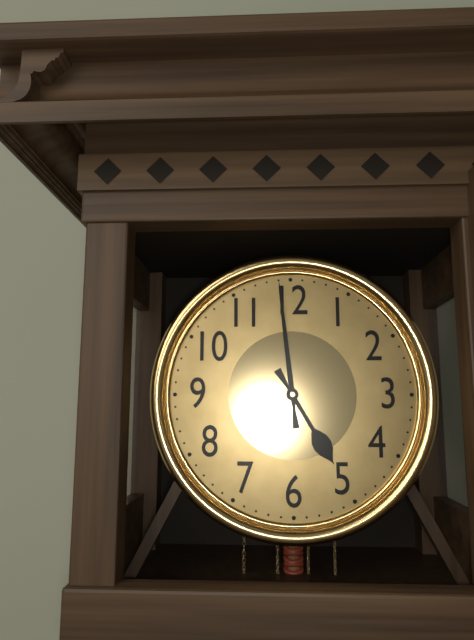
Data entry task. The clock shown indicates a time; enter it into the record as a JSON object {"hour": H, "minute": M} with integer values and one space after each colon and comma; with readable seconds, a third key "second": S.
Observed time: {"hour": 4, "minute": 59}
